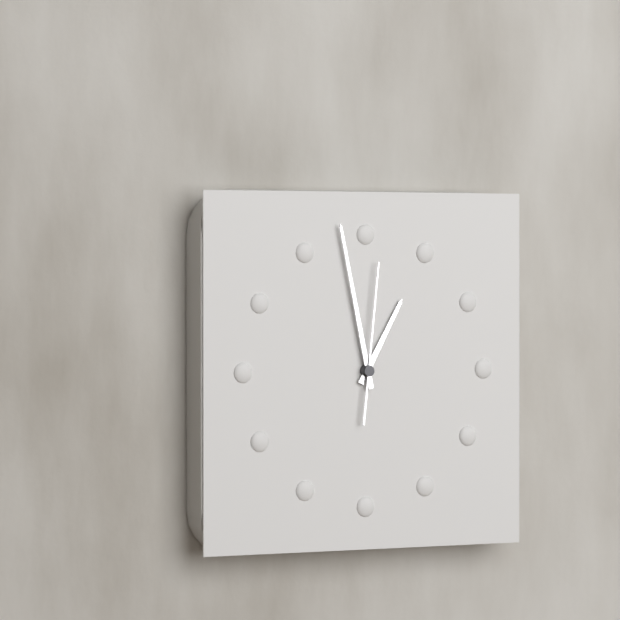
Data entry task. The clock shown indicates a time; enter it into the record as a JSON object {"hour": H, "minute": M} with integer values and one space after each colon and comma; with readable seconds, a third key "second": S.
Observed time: {"hour": 12, "minute": 58, "second": 1}
